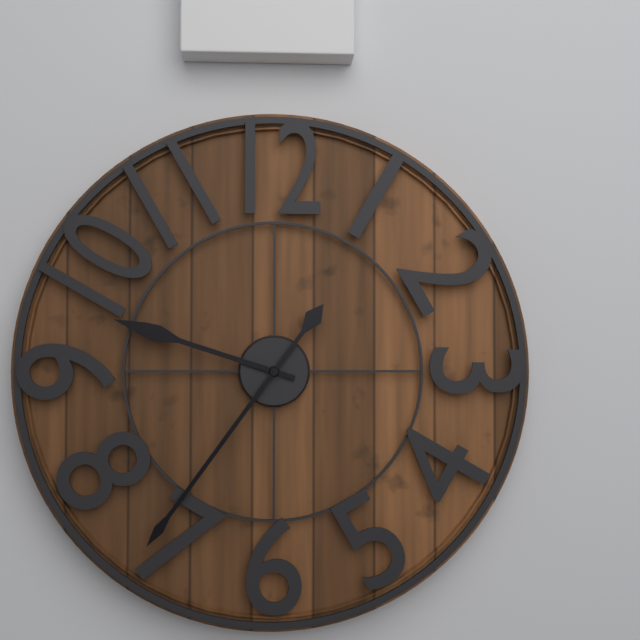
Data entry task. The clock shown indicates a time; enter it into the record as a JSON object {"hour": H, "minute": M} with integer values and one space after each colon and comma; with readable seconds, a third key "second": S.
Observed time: {"hour": 9, "minute": 36}
